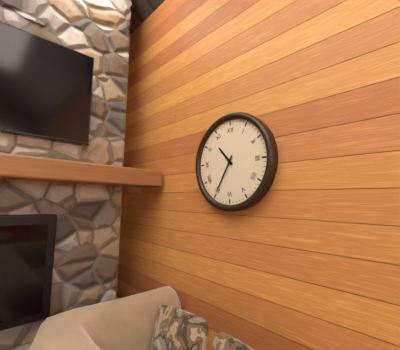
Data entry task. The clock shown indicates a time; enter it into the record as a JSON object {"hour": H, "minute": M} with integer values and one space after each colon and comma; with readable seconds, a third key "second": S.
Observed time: {"hour": 10, "minute": 35}
